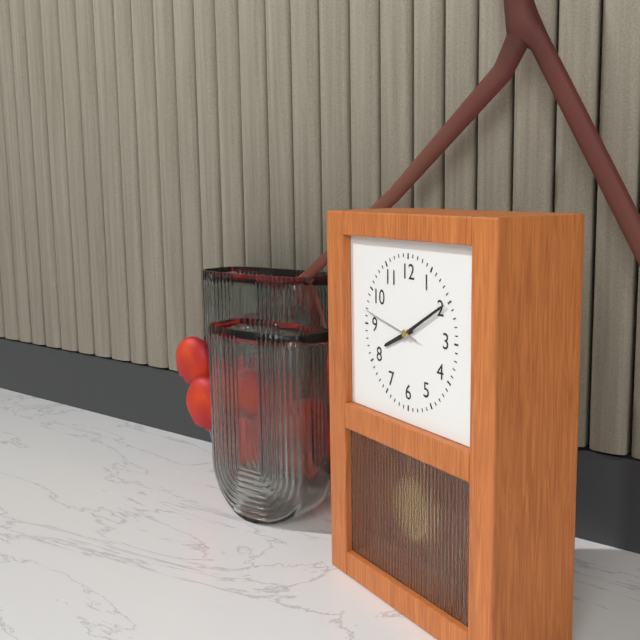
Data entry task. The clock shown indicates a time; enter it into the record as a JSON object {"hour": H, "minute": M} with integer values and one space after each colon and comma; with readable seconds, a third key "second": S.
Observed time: {"hour": 8, "minute": 10, "second": 47}
